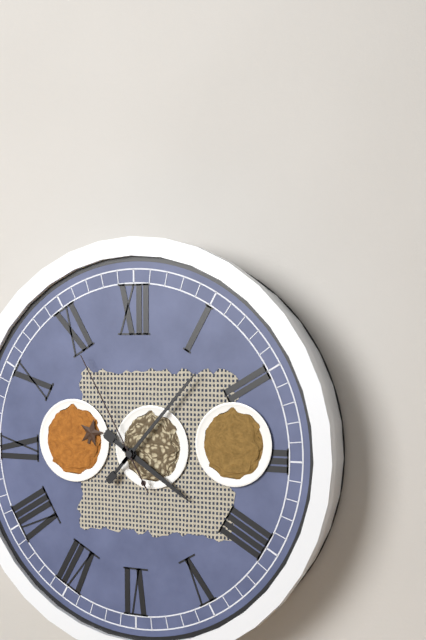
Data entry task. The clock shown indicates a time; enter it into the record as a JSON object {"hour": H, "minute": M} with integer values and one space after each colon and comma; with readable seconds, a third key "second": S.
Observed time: {"hour": 4, "minute": 7, "second": 55}
